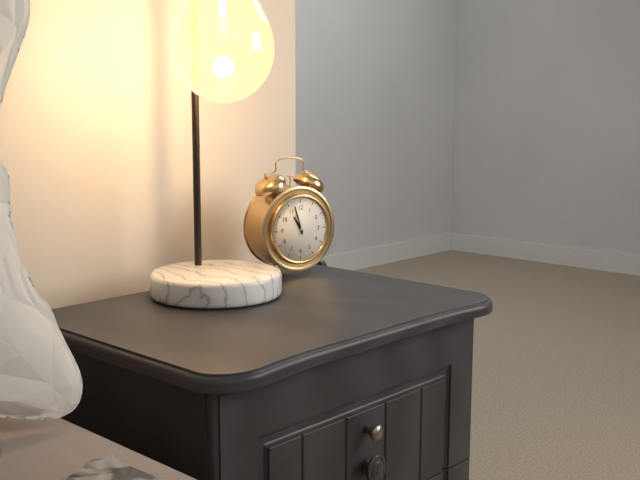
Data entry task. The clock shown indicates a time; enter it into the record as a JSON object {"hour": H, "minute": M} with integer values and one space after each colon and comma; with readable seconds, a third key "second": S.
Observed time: {"hour": 10, "minute": 57}
